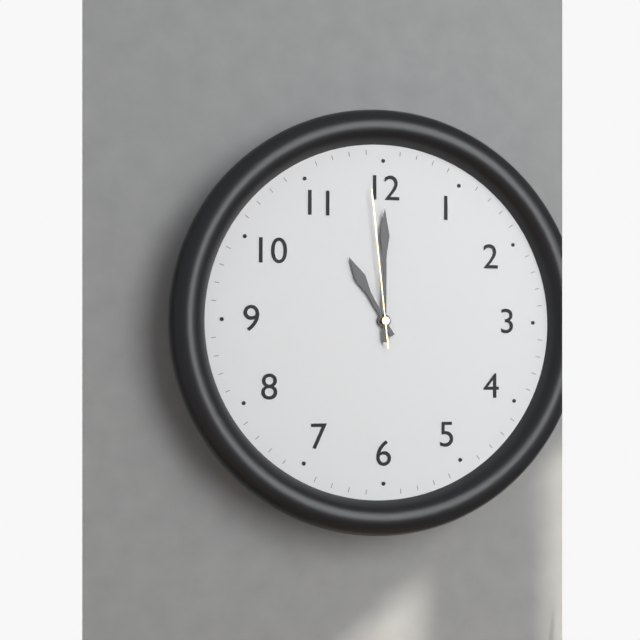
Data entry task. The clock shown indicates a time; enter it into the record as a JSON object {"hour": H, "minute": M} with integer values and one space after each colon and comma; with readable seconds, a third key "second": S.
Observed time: {"hour": 11, "minute": 0, "second": 59}
